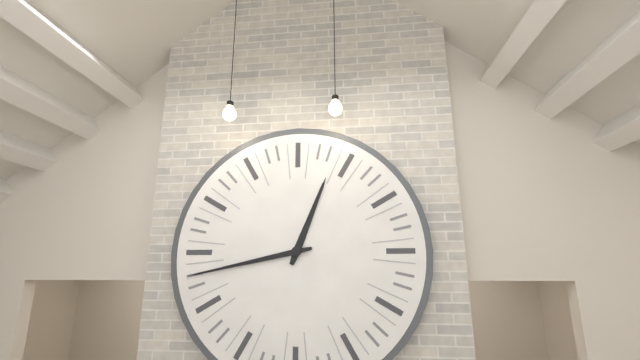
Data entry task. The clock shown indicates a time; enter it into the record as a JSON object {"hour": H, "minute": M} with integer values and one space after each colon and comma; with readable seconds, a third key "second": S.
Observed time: {"hour": 12, "minute": 43}
